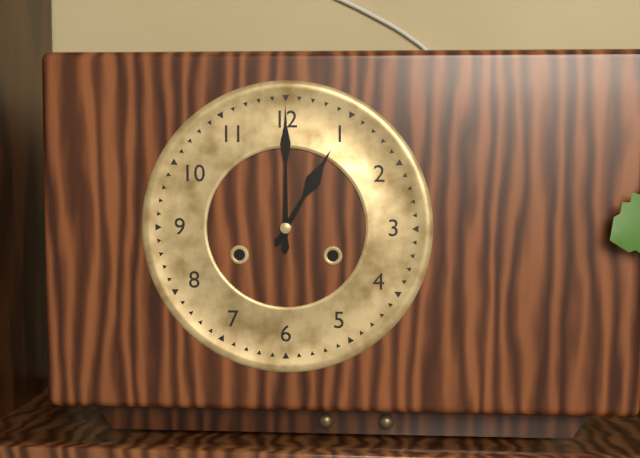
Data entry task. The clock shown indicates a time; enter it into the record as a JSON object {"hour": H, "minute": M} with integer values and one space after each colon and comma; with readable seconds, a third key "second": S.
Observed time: {"hour": 1, "minute": 0}
